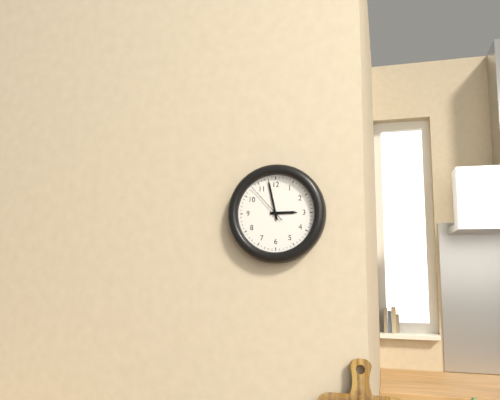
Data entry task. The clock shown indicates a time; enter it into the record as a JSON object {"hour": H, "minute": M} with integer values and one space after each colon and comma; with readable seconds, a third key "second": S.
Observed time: {"hour": 2, "minute": 58}
